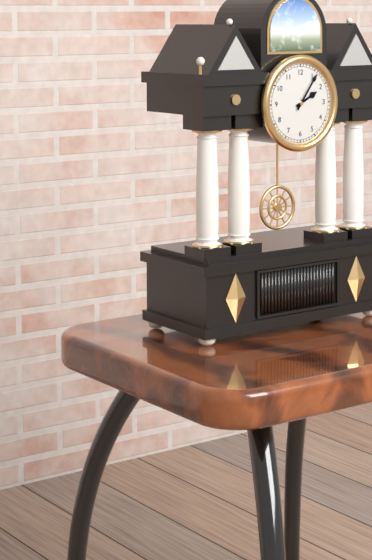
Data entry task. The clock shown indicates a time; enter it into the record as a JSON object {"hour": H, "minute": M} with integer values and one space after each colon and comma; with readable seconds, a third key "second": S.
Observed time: {"hour": 2, "minute": 6}
